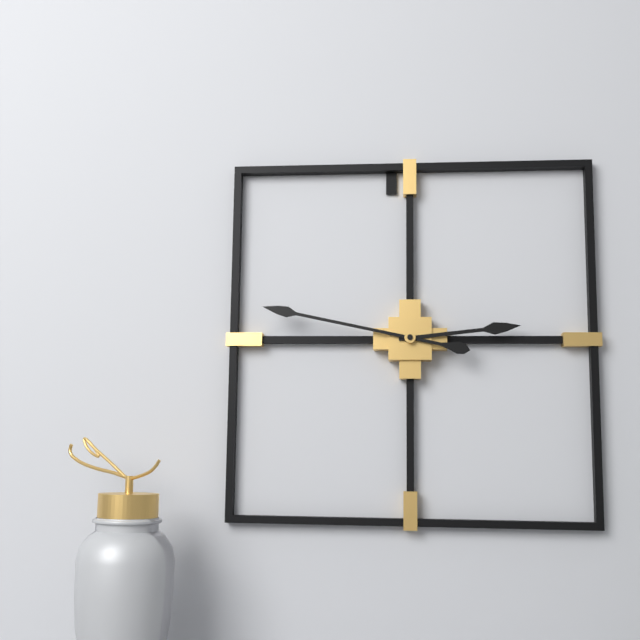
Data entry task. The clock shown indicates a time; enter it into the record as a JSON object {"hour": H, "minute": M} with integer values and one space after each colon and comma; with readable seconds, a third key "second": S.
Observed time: {"hour": 2, "minute": 47}
